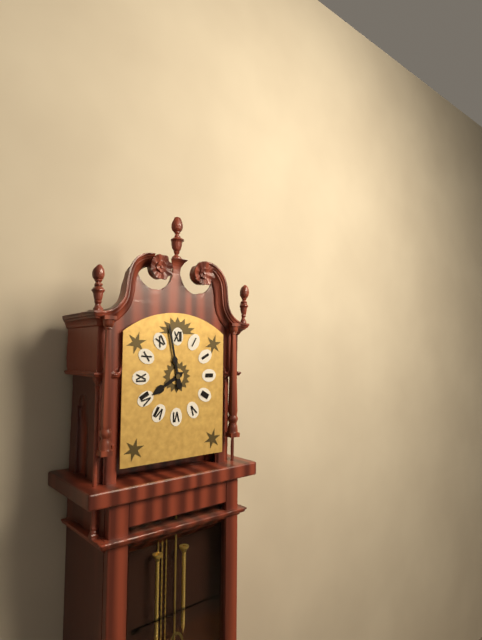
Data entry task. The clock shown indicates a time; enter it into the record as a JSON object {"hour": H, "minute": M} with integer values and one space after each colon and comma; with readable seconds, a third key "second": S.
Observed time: {"hour": 7, "minute": 58}
